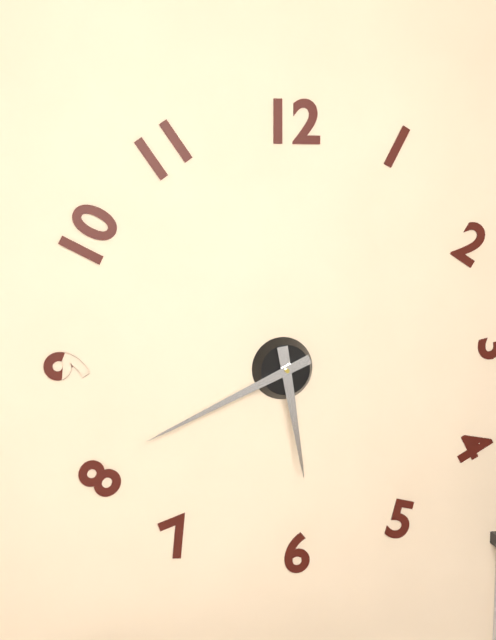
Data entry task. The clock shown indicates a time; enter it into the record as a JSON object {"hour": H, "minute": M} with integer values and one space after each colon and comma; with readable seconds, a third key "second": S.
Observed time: {"hour": 5, "minute": 41}
